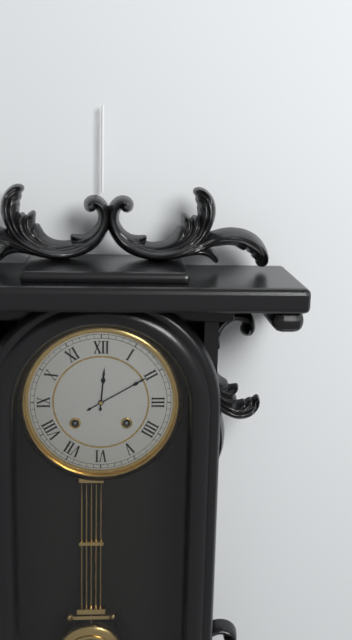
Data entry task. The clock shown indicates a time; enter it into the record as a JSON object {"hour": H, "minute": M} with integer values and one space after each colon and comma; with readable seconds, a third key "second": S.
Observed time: {"hour": 12, "minute": 10}
